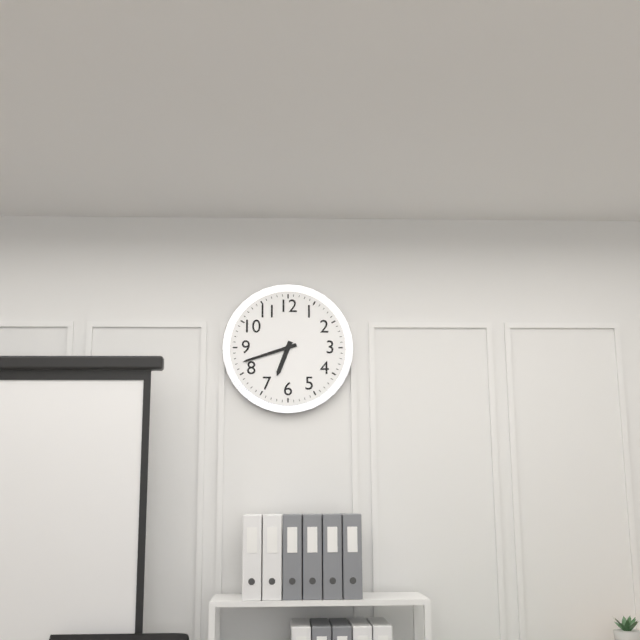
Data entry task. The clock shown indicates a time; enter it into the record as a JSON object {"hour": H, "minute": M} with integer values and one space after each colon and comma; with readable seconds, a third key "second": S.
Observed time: {"hour": 6, "minute": 42}
